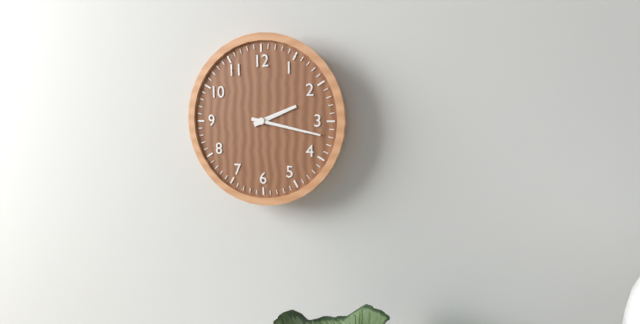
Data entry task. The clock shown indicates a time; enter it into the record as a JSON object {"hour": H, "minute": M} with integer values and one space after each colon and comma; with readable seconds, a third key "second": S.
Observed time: {"hour": 2, "minute": 17}
